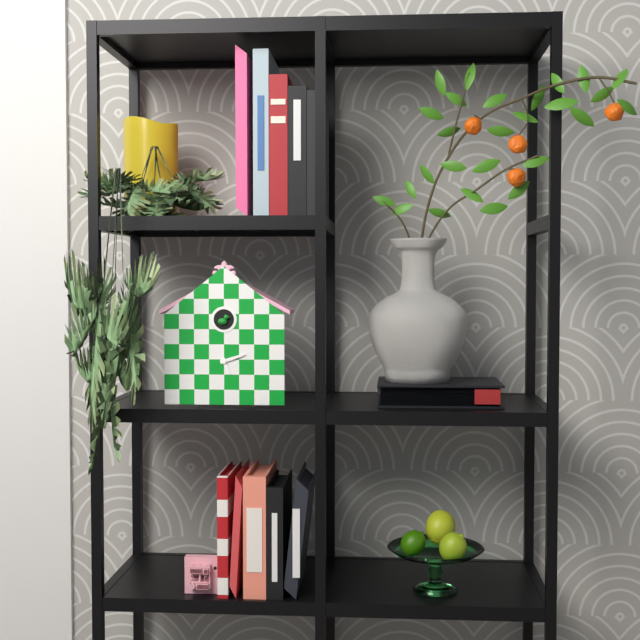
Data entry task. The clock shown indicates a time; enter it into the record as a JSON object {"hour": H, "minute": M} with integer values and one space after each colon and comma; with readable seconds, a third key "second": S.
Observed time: {"hour": 5, "minute": 12}
